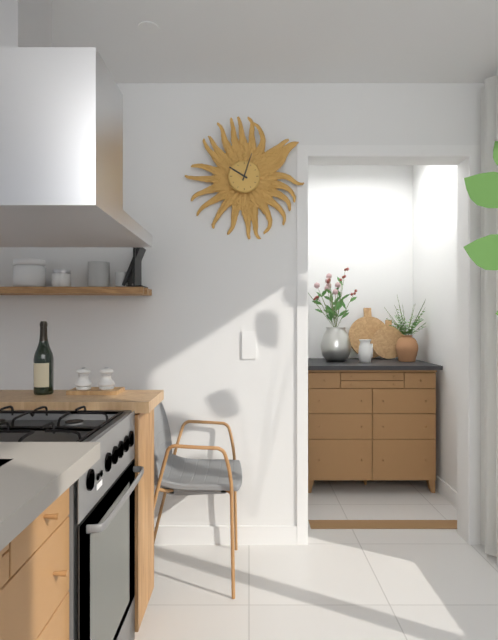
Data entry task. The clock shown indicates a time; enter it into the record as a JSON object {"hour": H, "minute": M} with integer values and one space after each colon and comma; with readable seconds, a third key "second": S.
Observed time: {"hour": 10, "minute": 3}
